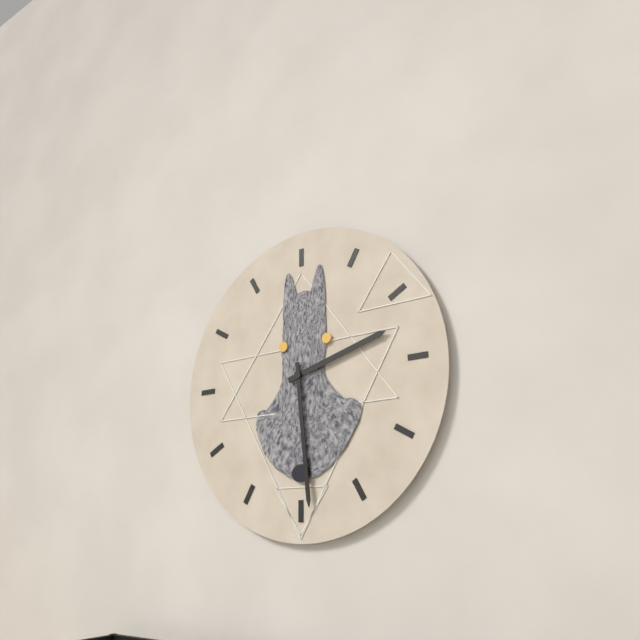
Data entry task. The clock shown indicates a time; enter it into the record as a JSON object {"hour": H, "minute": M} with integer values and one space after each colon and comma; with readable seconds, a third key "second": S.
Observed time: {"hour": 2, "minute": 29}
